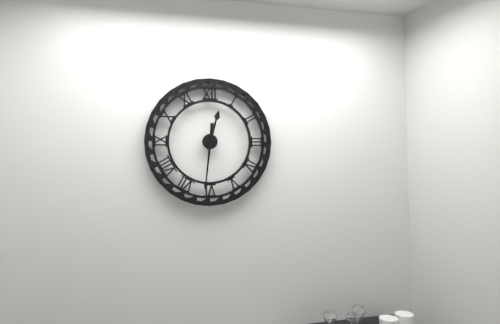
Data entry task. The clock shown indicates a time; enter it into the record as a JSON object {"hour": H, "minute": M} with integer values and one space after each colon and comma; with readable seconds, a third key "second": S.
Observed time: {"hour": 12, "minute": 31}
